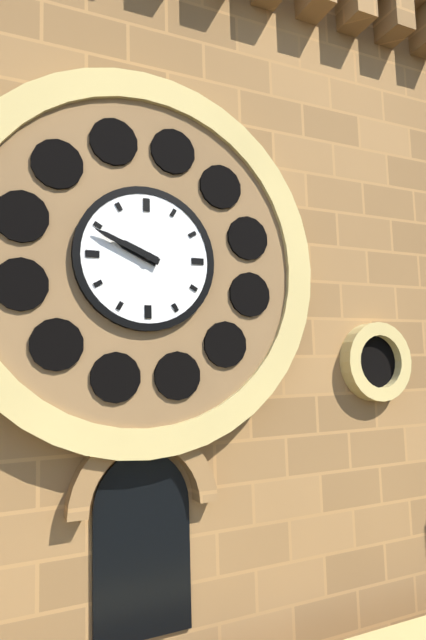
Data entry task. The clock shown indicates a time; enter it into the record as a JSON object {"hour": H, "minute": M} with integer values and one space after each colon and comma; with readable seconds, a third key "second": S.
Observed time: {"hour": 9, "minute": 49}
